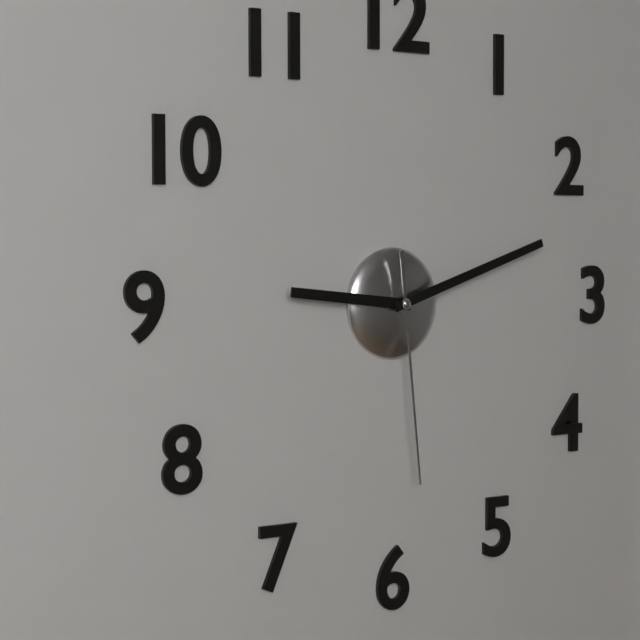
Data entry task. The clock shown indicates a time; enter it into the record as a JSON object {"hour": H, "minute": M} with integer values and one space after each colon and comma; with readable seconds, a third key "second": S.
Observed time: {"hour": 9, "minute": 12, "second": 29}
